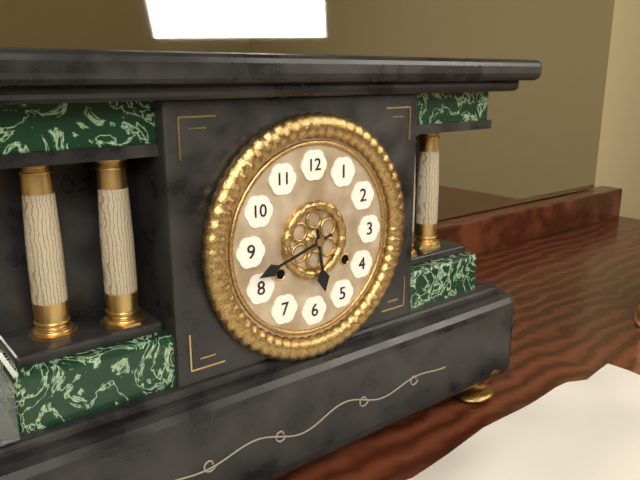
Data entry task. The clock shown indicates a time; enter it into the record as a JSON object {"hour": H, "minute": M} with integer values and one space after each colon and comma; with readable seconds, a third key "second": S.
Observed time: {"hour": 5, "minute": 42}
